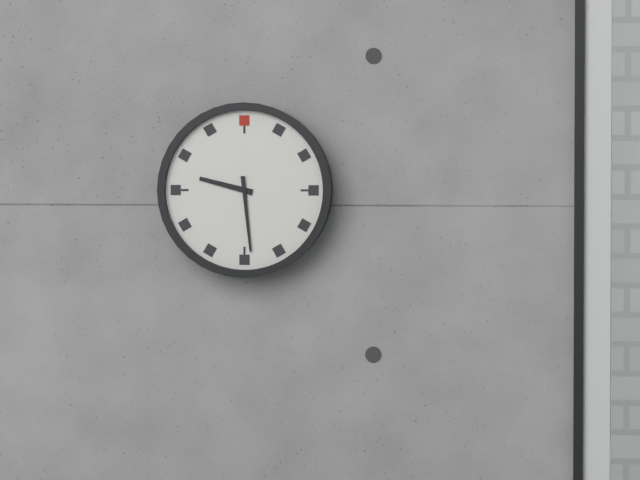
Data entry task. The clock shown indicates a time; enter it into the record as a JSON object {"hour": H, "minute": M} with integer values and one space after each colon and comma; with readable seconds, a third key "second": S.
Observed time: {"hour": 9, "minute": 29}
